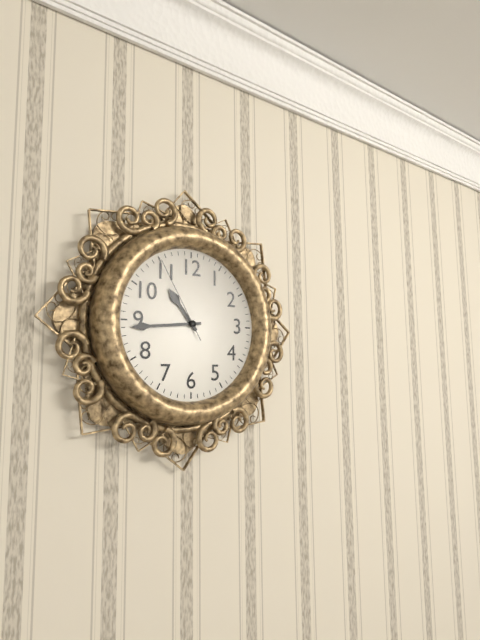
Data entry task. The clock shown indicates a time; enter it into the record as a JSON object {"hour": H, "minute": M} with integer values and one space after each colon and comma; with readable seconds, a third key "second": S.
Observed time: {"hour": 10, "minute": 44, "second": 55}
